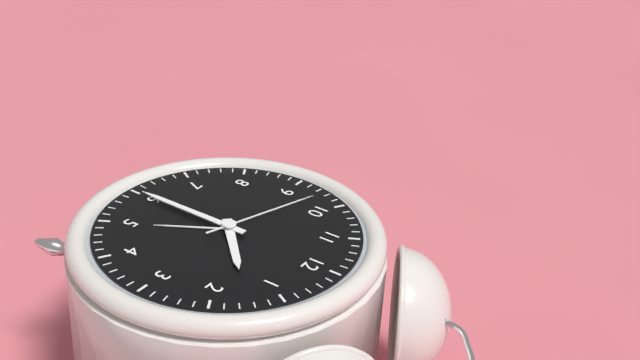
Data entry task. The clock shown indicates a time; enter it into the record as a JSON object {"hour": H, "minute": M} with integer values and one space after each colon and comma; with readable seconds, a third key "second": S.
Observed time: {"hour": 1, "minute": 30, "second": 48}
